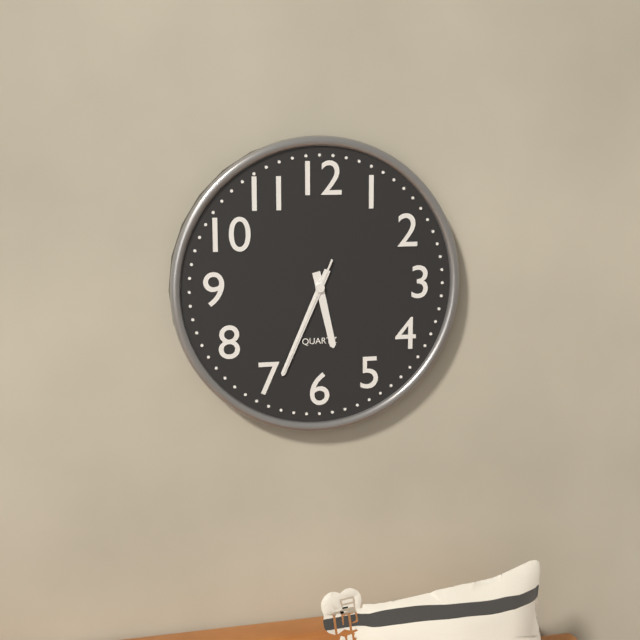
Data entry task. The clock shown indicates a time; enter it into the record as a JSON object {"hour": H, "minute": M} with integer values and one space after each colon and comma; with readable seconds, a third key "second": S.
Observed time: {"hour": 5, "minute": 34, "second": 34}
